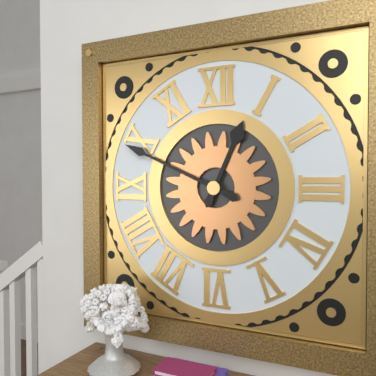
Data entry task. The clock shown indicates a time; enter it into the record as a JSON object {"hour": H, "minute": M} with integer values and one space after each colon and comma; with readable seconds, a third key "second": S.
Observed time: {"hour": 12, "minute": 49}
